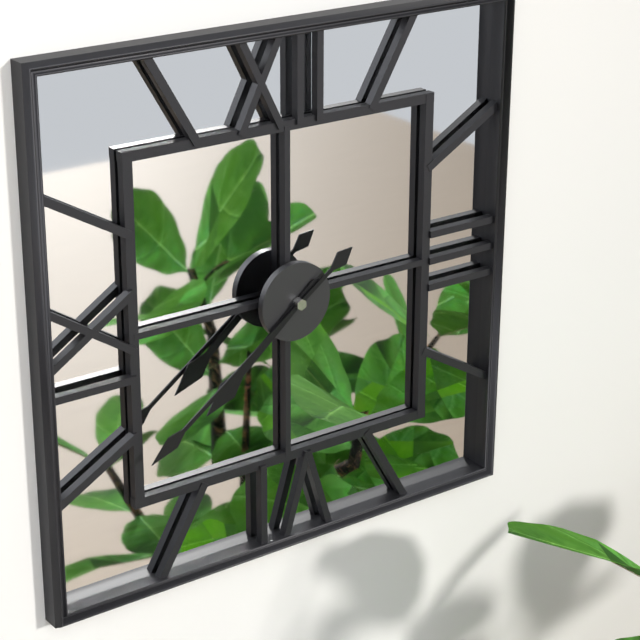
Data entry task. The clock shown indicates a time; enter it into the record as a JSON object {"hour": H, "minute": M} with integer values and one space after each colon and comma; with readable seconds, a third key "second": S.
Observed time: {"hour": 7, "minute": 39}
